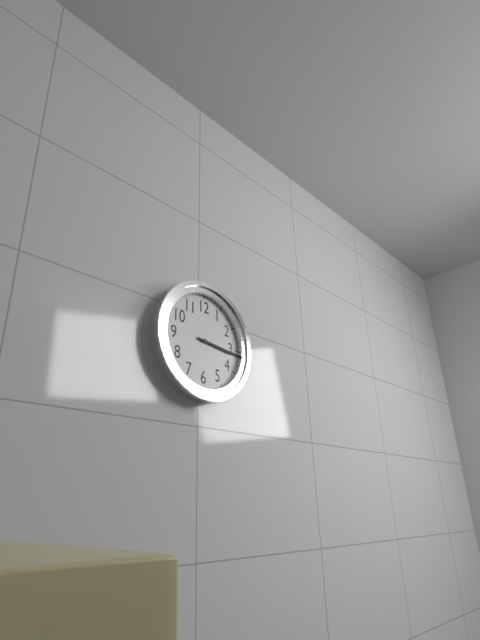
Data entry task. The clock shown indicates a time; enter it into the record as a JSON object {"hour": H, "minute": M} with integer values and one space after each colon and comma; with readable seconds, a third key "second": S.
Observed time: {"hour": 3, "minute": 16}
